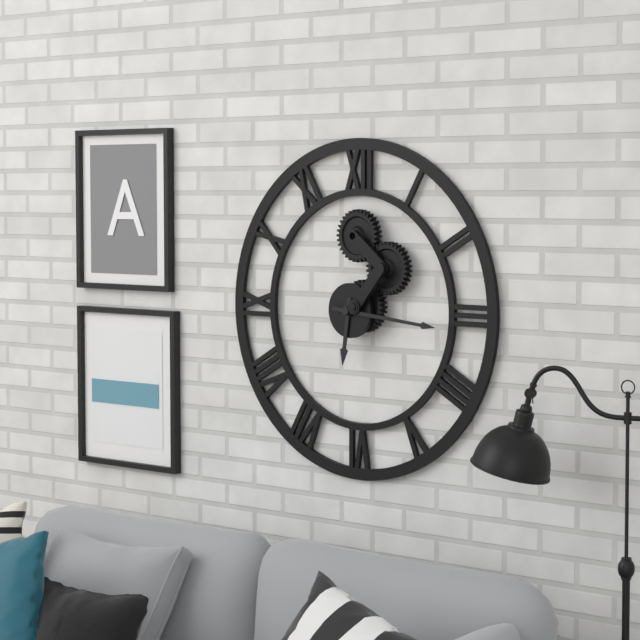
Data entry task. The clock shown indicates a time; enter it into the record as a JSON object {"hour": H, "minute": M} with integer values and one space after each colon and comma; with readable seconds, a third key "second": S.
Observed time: {"hour": 6, "minute": 16}
